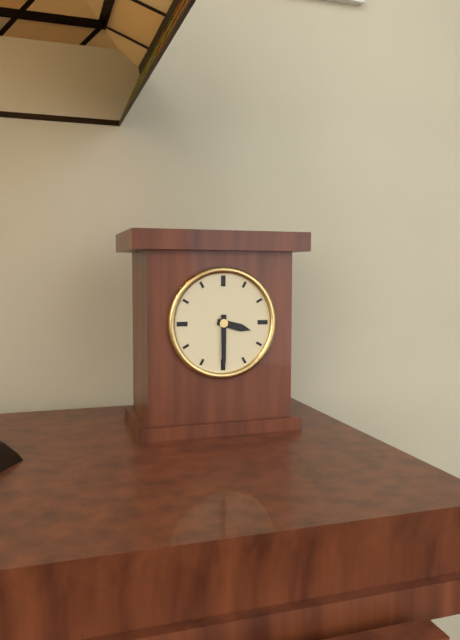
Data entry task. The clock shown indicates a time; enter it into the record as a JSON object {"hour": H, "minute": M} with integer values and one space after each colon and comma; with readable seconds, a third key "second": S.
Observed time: {"hour": 3, "minute": 30}
